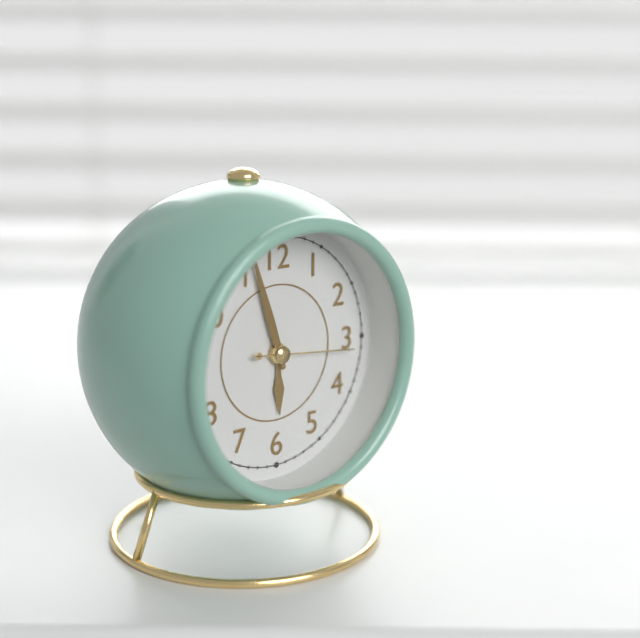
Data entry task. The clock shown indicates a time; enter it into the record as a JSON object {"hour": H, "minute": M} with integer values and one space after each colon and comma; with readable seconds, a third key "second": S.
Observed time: {"hour": 5, "minute": 57, "second": 16}
